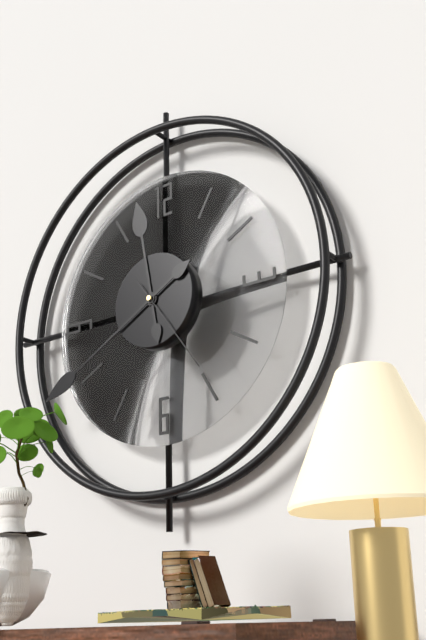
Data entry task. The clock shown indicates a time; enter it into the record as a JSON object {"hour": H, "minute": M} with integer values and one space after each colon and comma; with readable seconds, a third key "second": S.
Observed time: {"hour": 11, "minute": 40, "second": 24}
